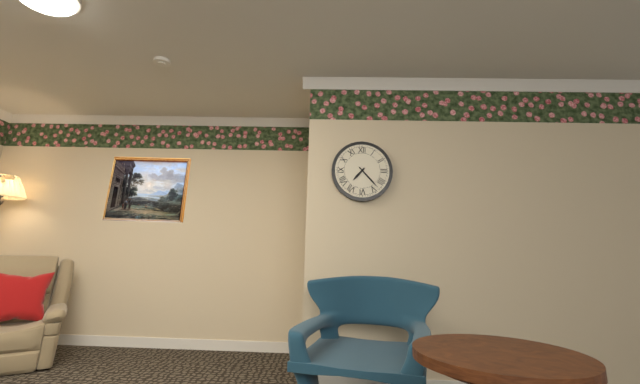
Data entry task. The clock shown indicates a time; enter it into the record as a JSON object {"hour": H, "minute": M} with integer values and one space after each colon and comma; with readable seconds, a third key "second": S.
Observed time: {"hour": 7, "minute": 23}
